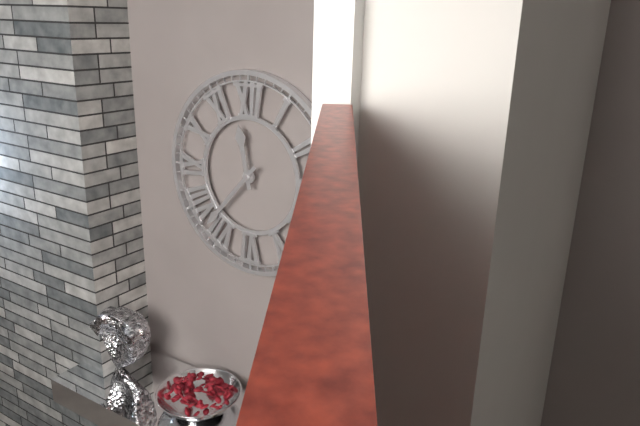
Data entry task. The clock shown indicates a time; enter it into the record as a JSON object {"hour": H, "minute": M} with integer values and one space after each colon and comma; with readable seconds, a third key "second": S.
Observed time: {"hour": 11, "minute": 37}
